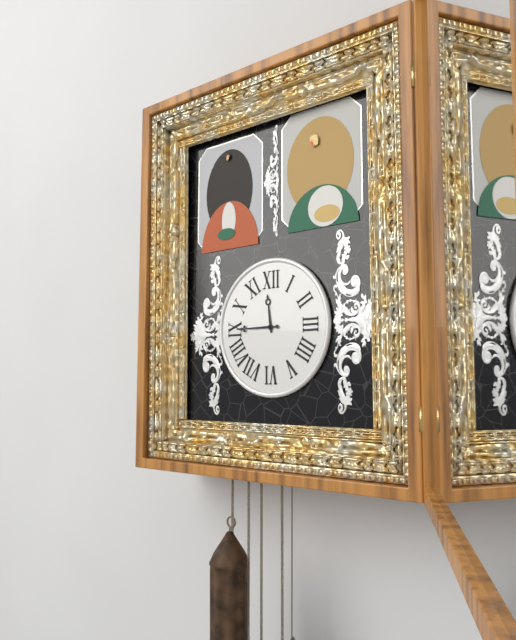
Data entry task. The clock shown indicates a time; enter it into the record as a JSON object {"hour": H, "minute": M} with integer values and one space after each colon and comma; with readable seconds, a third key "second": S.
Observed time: {"hour": 11, "minute": 45}
